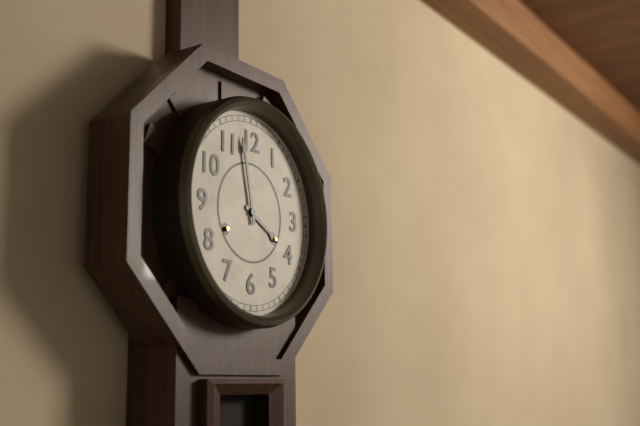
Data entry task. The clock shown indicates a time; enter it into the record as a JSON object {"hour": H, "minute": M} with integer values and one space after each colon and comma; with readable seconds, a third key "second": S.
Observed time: {"hour": 3, "minute": 58}
